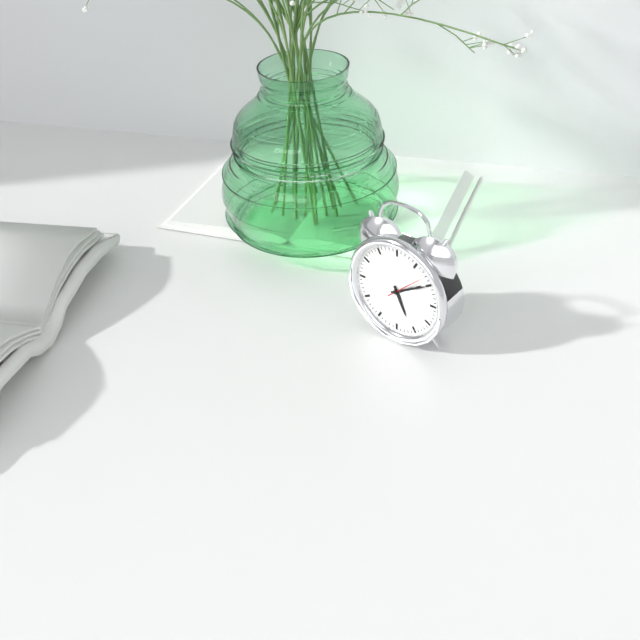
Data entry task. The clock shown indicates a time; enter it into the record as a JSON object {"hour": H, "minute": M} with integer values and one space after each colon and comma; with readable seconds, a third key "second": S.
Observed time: {"hour": 5, "minute": 10}
